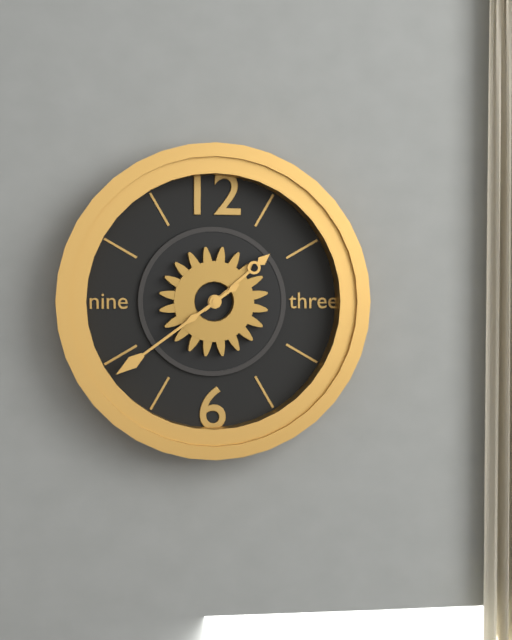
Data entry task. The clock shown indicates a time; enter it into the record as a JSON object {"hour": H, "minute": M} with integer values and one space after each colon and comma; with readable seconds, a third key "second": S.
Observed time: {"hour": 1, "minute": 39}
